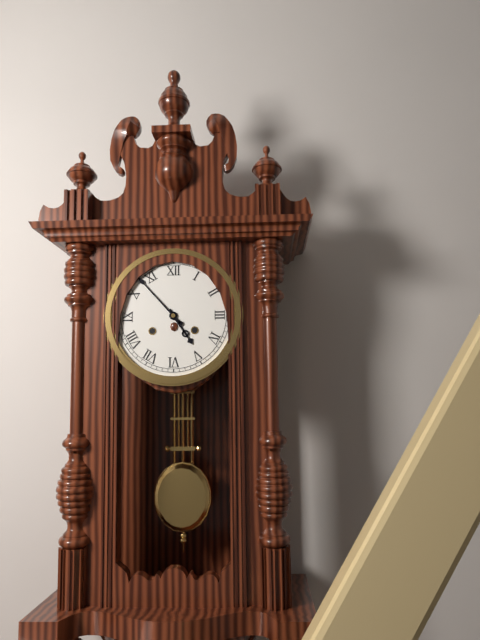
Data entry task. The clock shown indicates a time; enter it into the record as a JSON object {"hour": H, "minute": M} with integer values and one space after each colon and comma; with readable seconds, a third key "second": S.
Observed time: {"hour": 4, "minute": 53}
